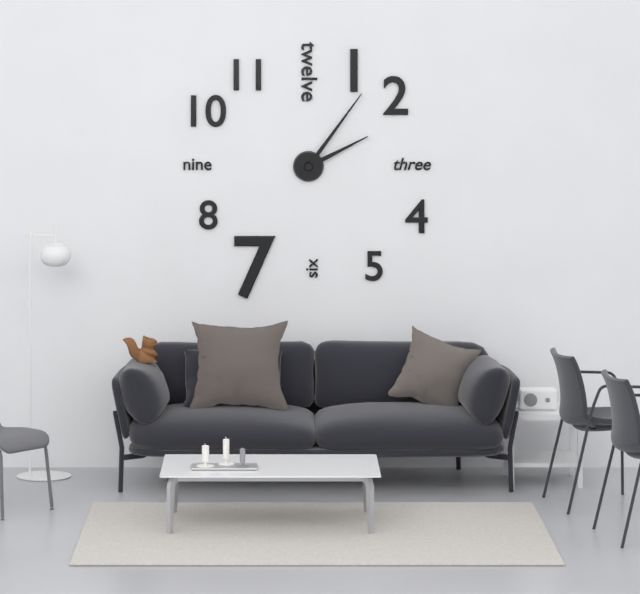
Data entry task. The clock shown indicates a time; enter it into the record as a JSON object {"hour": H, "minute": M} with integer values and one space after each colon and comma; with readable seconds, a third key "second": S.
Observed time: {"hour": 2, "minute": 6}
